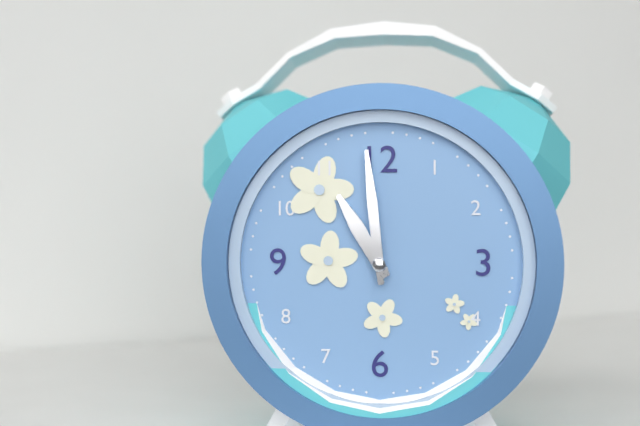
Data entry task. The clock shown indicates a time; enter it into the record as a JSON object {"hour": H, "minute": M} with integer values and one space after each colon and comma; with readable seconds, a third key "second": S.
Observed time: {"hour": 10, "minute": 59}
